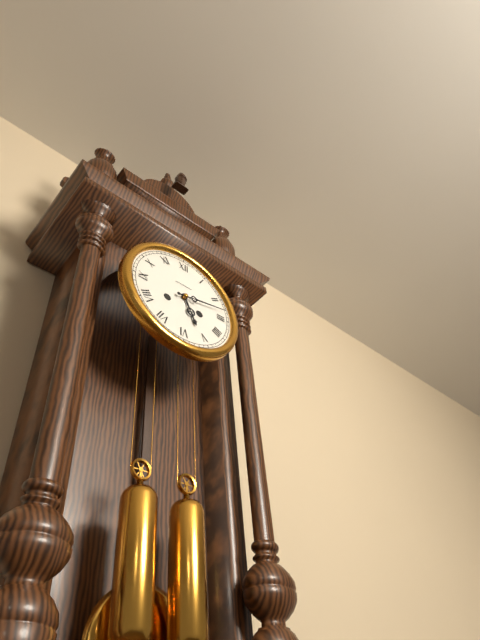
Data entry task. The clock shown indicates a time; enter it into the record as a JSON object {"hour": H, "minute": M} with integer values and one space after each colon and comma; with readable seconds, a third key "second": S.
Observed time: {"hour": 5, "minute": 13}
